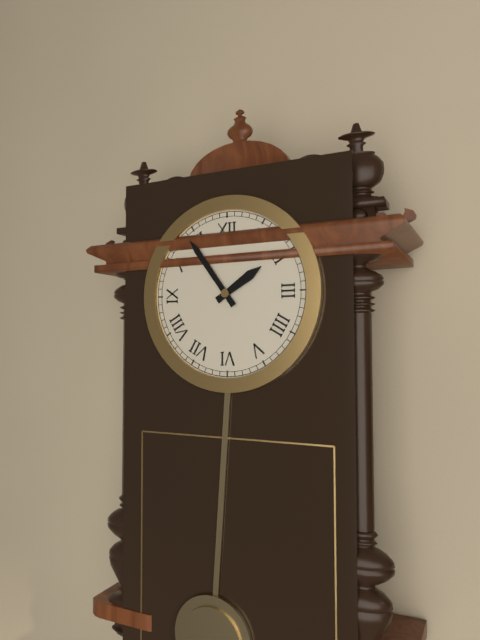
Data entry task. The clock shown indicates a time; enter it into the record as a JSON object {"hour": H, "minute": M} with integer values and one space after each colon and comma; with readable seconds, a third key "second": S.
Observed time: {"hour": 1, "minute": 54}
